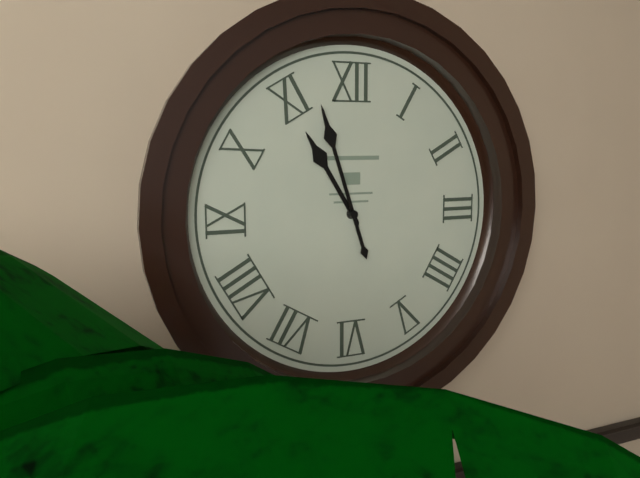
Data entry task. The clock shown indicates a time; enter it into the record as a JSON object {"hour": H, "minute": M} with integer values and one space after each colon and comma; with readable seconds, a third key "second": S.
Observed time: {"hour": 10, "minute": 57}
